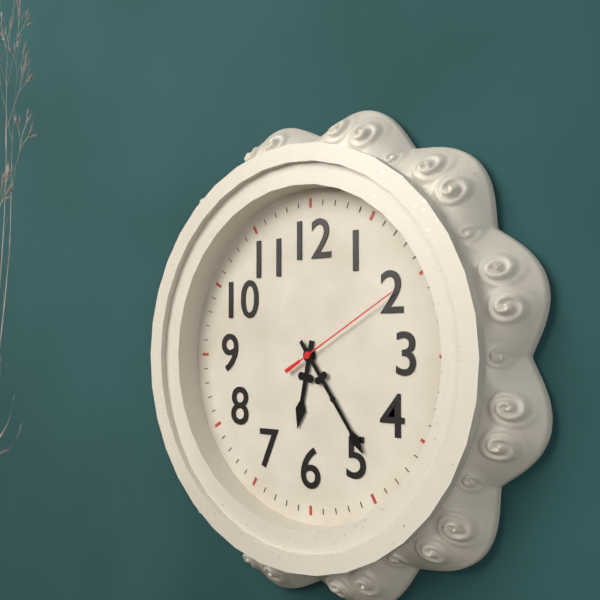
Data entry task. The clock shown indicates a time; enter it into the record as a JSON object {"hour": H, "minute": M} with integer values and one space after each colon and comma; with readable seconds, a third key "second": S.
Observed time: {"hour": 6, "minute": 24, "second": 10}
